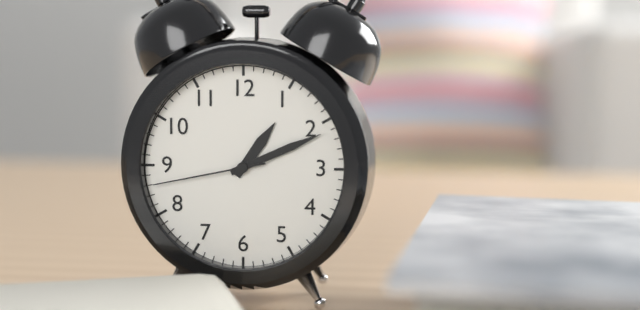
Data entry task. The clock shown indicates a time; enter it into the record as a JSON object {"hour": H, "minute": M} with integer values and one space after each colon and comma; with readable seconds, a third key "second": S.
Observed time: {"hour": 1, "minute": 11, "second": 43}
